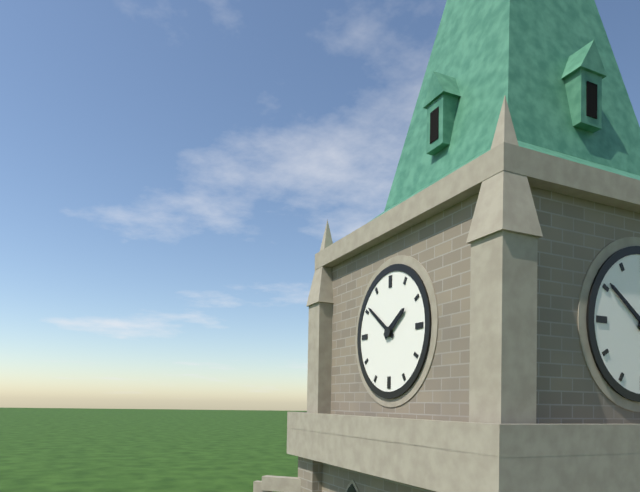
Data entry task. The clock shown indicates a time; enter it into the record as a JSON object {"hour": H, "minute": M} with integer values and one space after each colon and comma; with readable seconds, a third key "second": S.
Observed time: {"hour": 1, "minute": 51}
